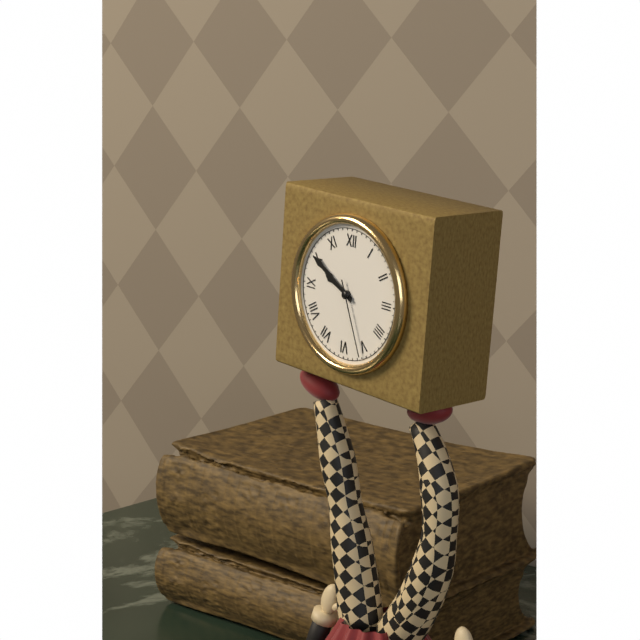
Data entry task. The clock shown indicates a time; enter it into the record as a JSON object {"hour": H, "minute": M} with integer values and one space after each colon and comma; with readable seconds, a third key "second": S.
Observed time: {"hour": 9, "minute": 50, "second": 26}
